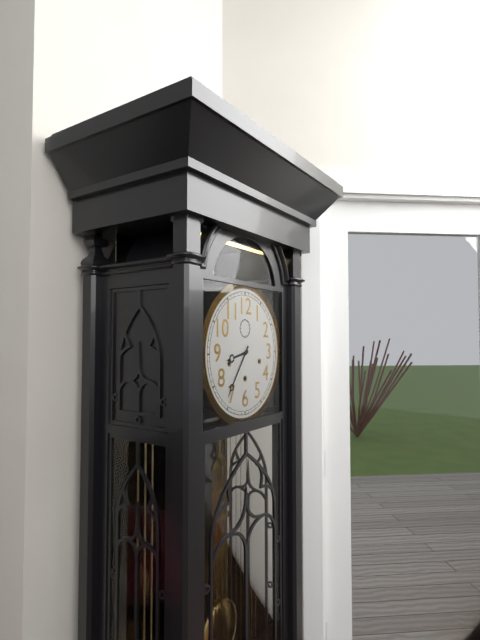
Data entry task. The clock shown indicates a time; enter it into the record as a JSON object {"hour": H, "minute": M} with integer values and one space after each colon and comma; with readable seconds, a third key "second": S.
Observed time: {"hour": 8, "minute": 36}
